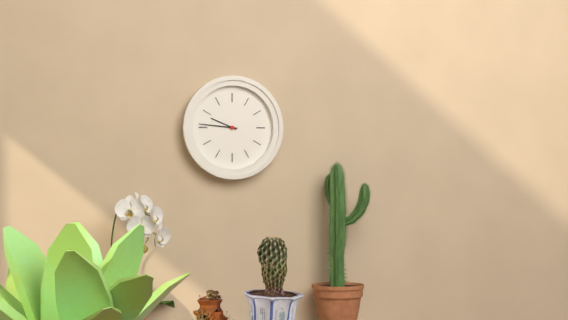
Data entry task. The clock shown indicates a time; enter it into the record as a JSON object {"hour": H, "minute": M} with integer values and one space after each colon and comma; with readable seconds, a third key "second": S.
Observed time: {"hour": 9, "minute": 46}
